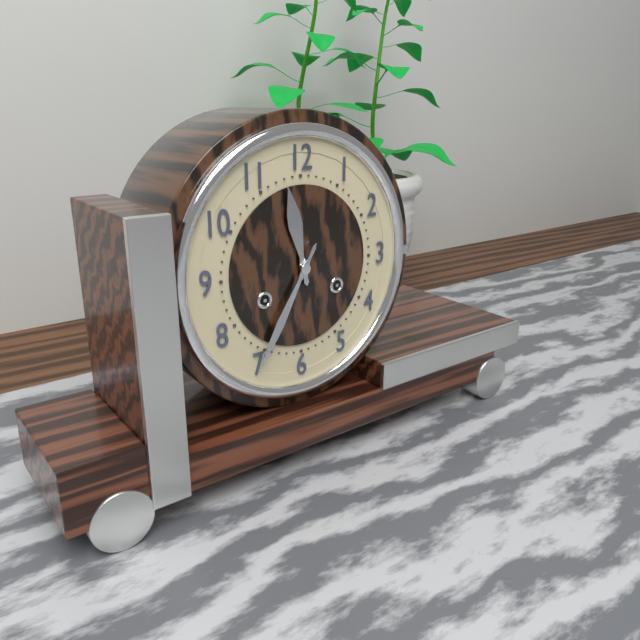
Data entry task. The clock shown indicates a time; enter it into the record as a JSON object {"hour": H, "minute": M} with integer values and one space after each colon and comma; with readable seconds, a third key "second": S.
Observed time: {"hour": 11, "minute": 35}
